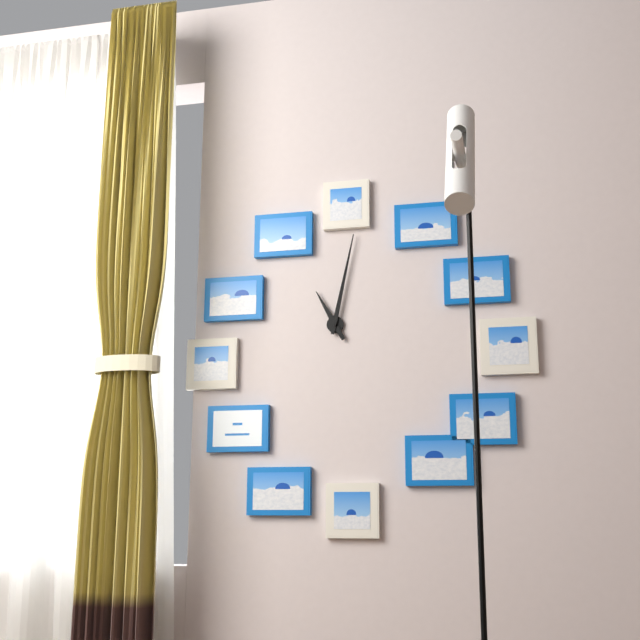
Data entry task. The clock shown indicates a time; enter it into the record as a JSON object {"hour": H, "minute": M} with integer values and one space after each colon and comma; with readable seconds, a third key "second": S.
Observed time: {"hour": 11, "minute": 2}
